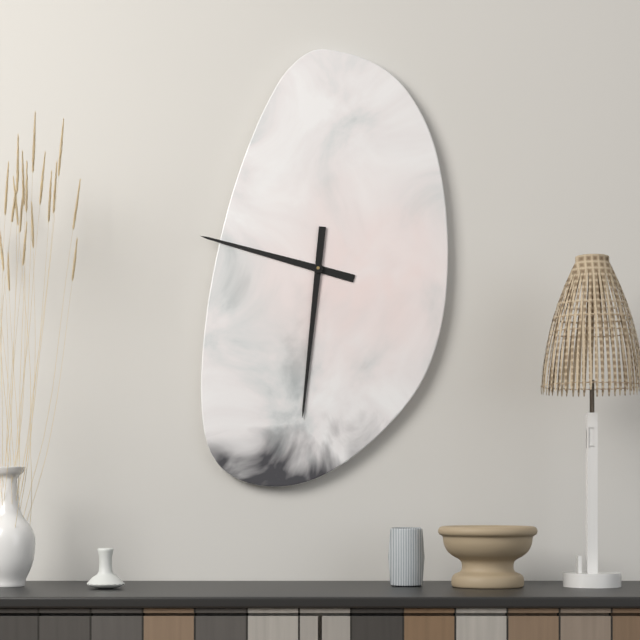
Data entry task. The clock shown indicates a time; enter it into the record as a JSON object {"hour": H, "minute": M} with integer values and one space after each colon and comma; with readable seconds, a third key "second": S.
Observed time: {"hour": 9, "minute": 31}
